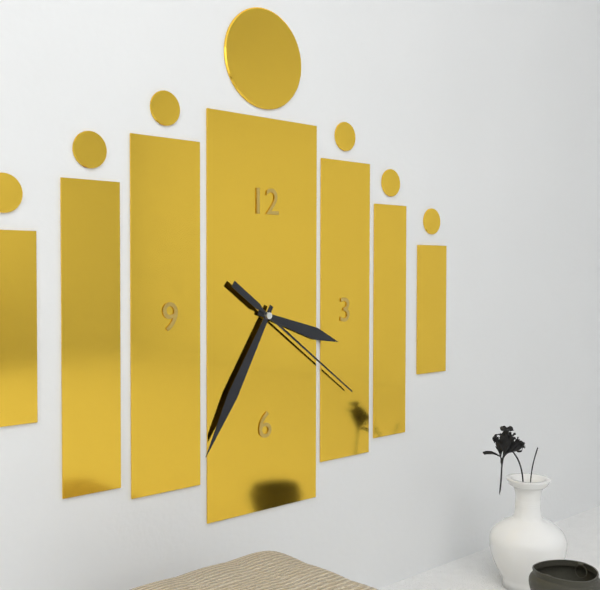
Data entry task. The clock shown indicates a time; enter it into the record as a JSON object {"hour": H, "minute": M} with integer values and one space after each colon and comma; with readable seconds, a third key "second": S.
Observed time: {"hour": 3, "minute": 35, "second": 21}
